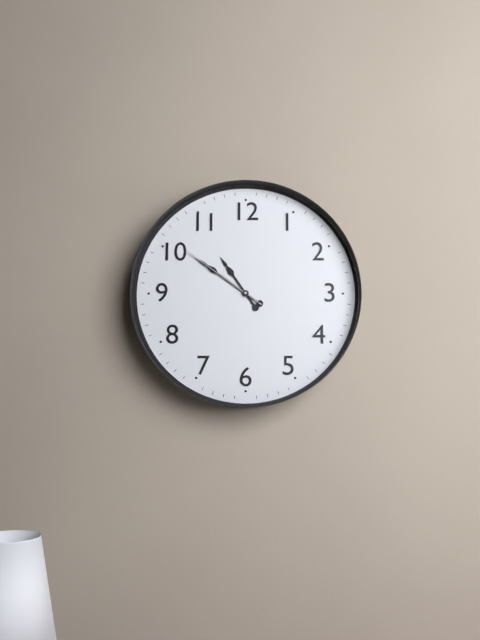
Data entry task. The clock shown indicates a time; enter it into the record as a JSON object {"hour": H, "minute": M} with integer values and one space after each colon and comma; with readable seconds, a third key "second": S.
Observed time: {"hour": 10, "minute": 51, "second": 51}
